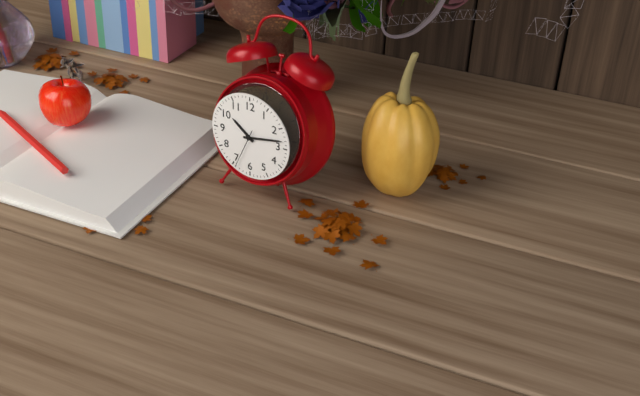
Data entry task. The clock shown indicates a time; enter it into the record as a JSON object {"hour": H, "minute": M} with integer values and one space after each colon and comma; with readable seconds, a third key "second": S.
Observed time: {"hour": 10, "minute": 13}
